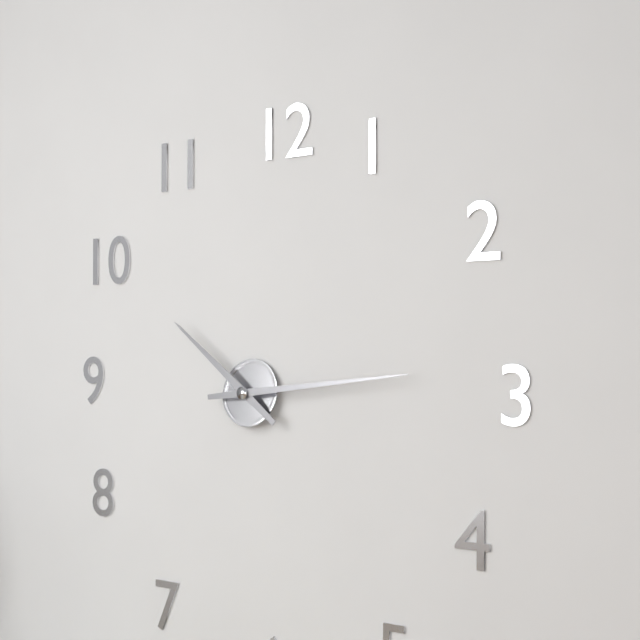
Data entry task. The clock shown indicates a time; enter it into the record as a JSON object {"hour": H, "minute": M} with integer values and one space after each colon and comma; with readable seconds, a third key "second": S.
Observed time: {"hour": 10, "minute": 14}
